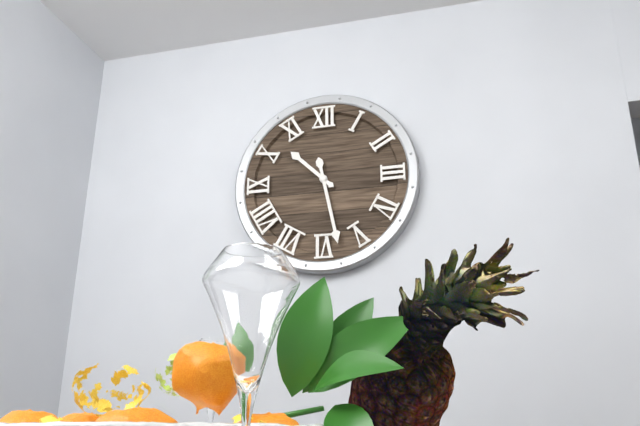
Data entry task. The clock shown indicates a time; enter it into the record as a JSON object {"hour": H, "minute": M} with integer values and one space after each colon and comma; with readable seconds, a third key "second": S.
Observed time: {"hour": 10, "minute": 28}
